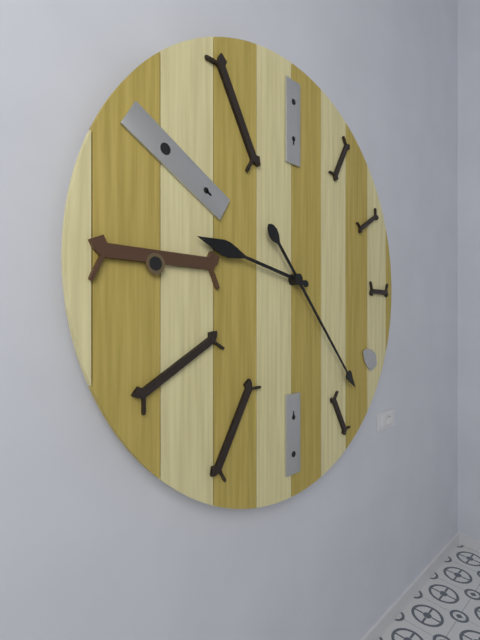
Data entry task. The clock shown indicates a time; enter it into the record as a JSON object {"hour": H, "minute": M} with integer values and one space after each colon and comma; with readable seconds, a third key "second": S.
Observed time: {"hour": 9, "minute": 23}
